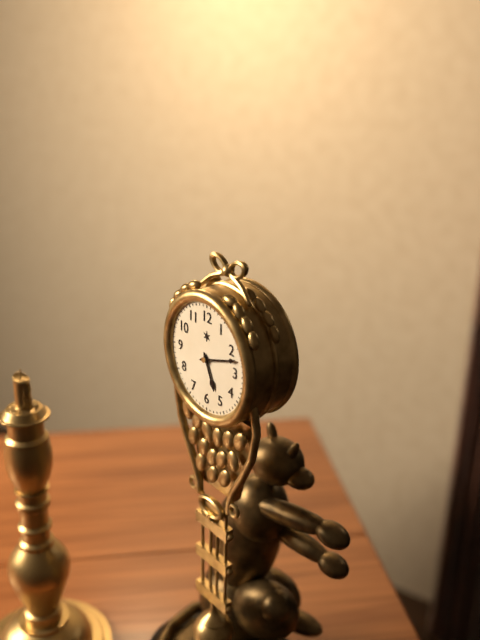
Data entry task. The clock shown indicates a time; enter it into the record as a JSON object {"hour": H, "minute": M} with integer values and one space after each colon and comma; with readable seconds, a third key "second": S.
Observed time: {"hour": 5, "minute": 12}
